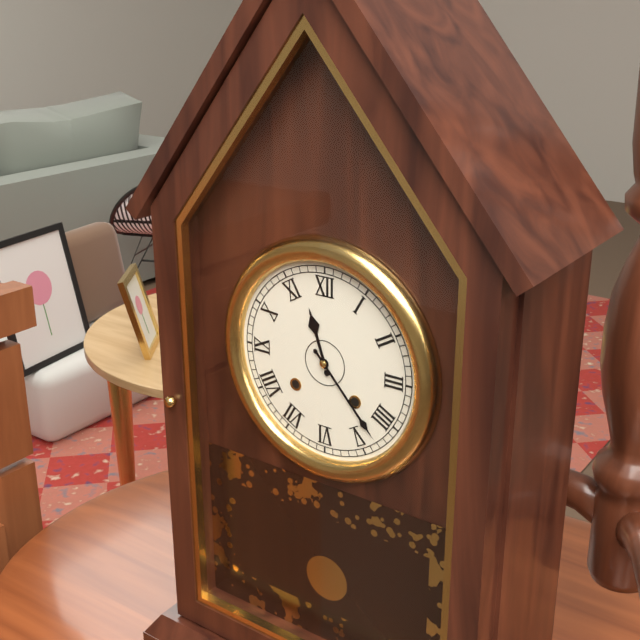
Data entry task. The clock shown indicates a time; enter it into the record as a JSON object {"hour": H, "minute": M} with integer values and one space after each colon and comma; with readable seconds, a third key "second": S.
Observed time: {"hour": 11, "minute": 23}
